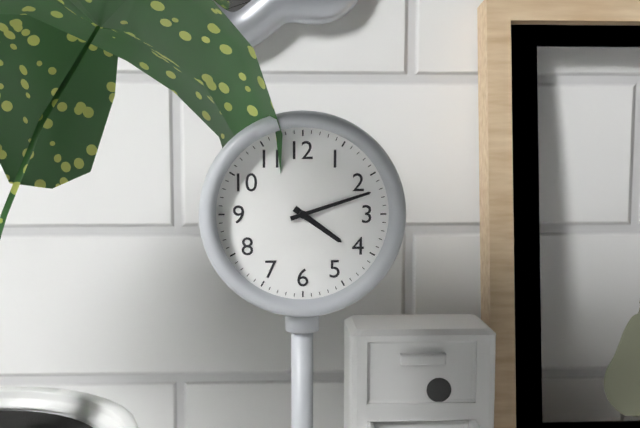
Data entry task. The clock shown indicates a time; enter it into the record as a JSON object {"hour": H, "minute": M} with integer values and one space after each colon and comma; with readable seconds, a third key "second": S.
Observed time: {"hour": 4, "minute": 12}
